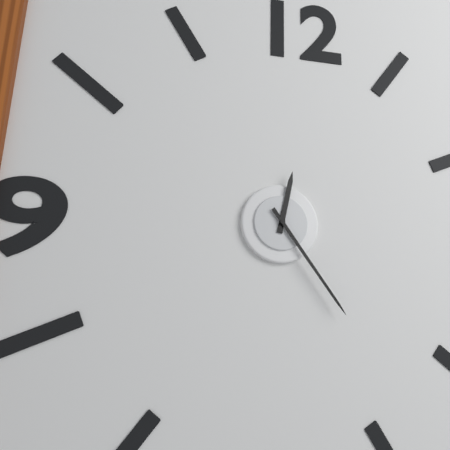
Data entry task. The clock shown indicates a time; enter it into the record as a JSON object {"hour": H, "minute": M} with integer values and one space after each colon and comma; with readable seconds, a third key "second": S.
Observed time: {"hour": 12, "minute": 24}
